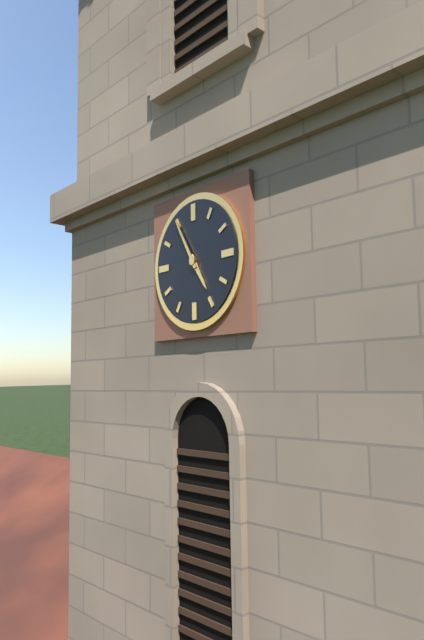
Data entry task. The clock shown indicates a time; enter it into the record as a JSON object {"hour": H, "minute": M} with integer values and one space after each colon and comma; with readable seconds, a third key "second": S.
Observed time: {"hour": 4, "minute": 55}
